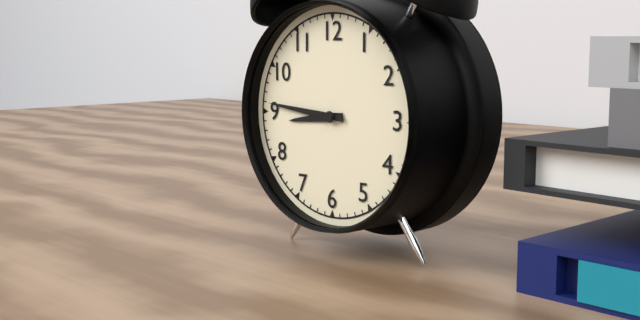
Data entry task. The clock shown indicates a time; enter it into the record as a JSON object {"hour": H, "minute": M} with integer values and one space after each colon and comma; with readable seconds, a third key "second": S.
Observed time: {"hour": 8, "minute": 46}
